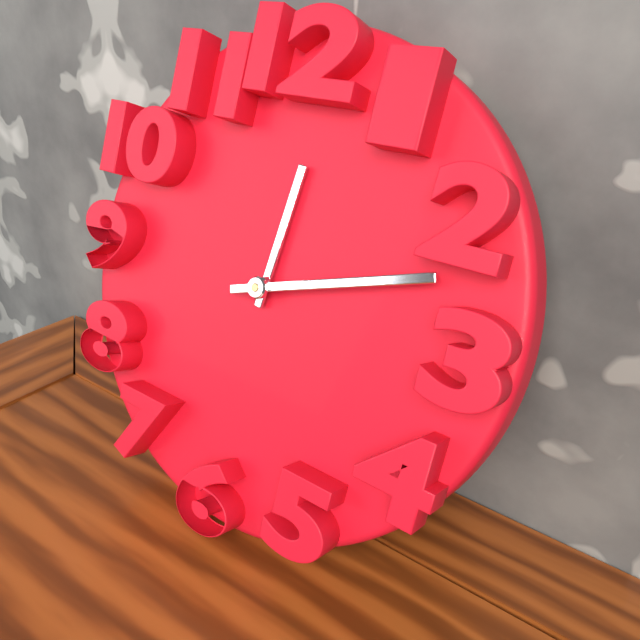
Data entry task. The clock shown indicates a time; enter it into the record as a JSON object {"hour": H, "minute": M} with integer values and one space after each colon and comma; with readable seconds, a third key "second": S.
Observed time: {"hour": 12, "minute": 12}
